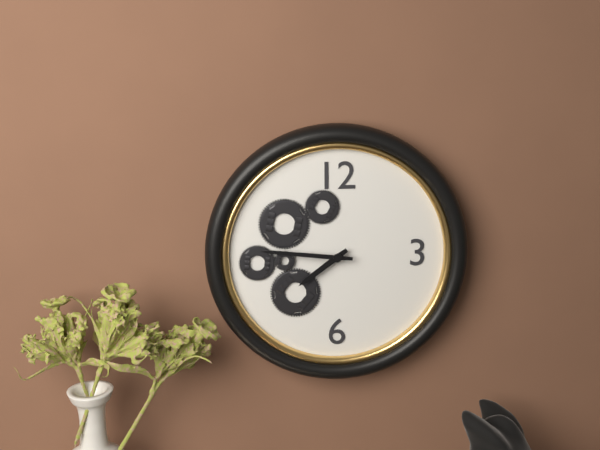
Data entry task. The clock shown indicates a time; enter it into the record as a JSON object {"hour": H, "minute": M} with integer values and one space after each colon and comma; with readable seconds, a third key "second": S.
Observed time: {"hour": 7, "minute": 46}
